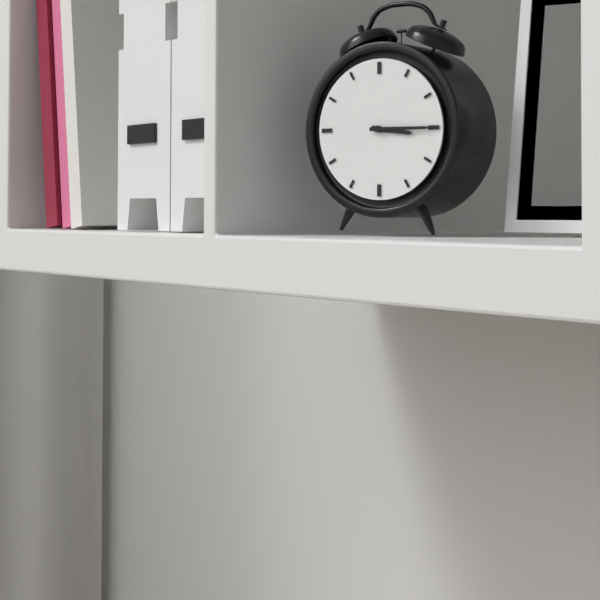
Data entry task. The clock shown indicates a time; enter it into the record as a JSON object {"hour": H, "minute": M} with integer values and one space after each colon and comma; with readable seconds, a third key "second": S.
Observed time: {"hour": 3, "minute": 15}
